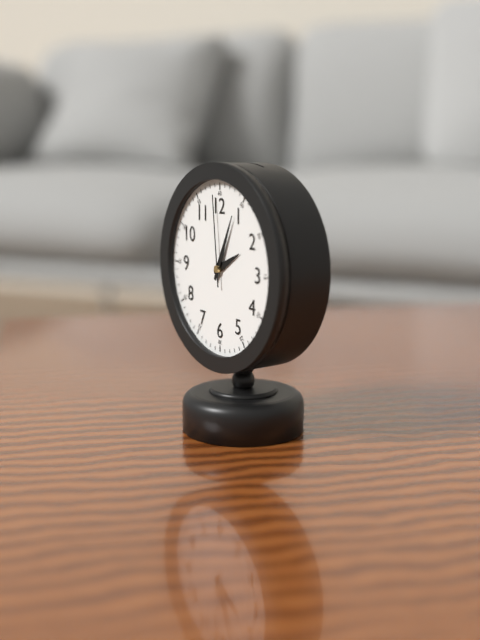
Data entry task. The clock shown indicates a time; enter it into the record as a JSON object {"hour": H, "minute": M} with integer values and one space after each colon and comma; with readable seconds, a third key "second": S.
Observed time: {"hour": 2, "minute": 4, "second": 59}
